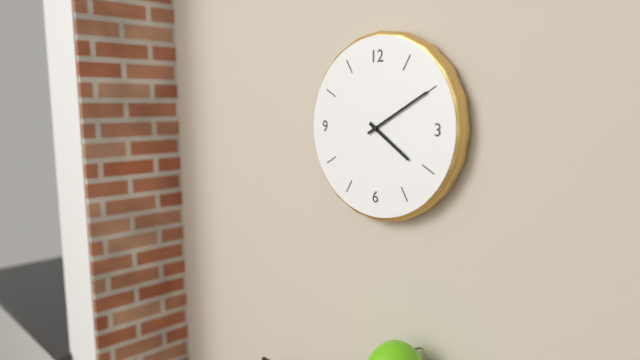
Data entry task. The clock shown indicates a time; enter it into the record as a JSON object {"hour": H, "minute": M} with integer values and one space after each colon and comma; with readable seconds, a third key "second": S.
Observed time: {"hour": 4, "minute": 10}
